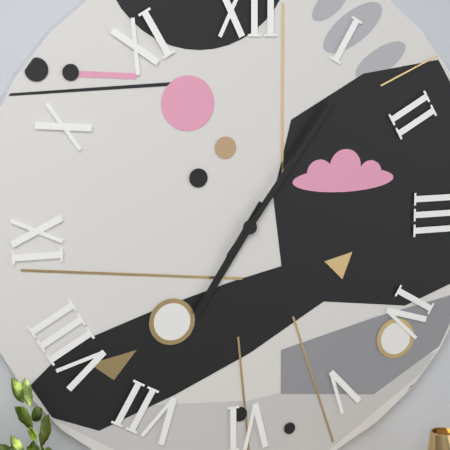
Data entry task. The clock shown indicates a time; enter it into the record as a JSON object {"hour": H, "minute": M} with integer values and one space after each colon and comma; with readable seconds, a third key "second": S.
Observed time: {"hour": 7, "minute": 6}
